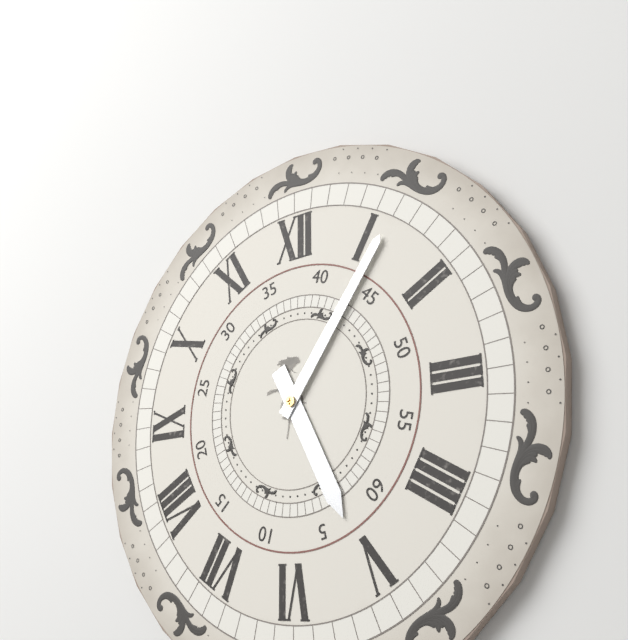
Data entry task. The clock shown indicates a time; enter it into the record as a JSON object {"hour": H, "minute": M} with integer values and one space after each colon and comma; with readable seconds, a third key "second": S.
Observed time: {"hour": 5, "minute": 6}
